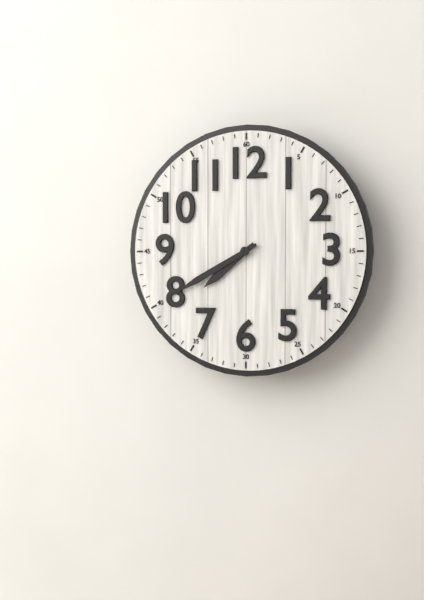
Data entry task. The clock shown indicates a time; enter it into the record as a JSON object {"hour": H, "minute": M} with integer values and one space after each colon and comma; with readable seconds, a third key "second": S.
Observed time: {"hour": 7, "minute": 40}
